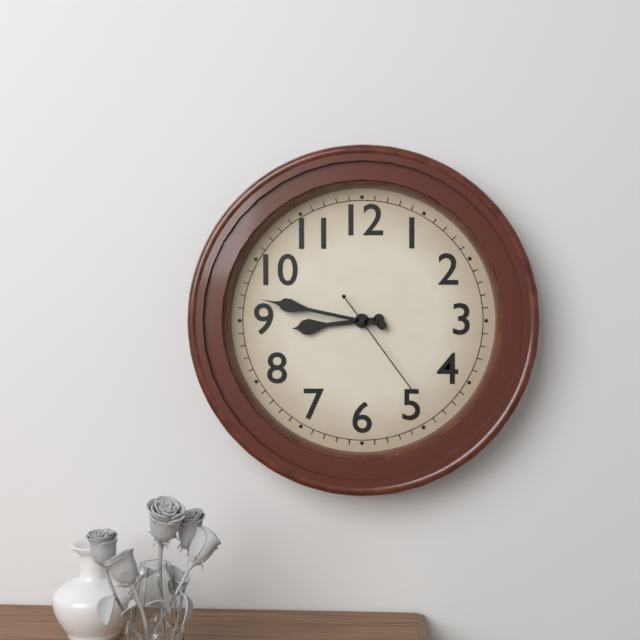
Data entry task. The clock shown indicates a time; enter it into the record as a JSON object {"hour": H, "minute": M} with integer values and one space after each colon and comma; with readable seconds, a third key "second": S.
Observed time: {"hour": 8, "minute": 47, "second": 24}
